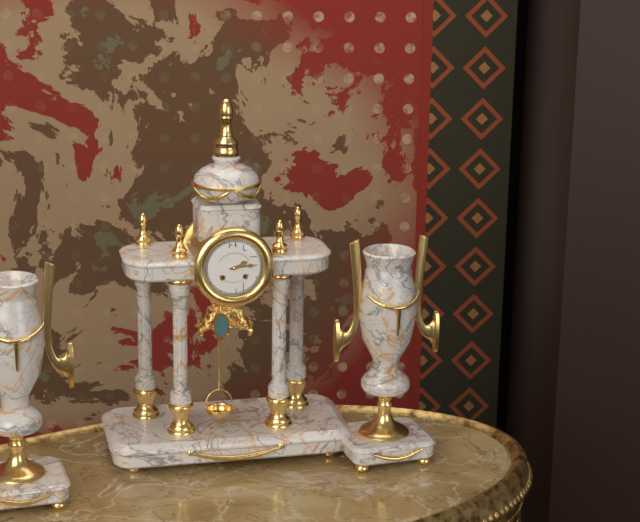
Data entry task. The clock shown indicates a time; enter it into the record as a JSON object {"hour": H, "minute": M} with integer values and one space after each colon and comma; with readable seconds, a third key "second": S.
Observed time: {"hour": 2, "minute": 14}
